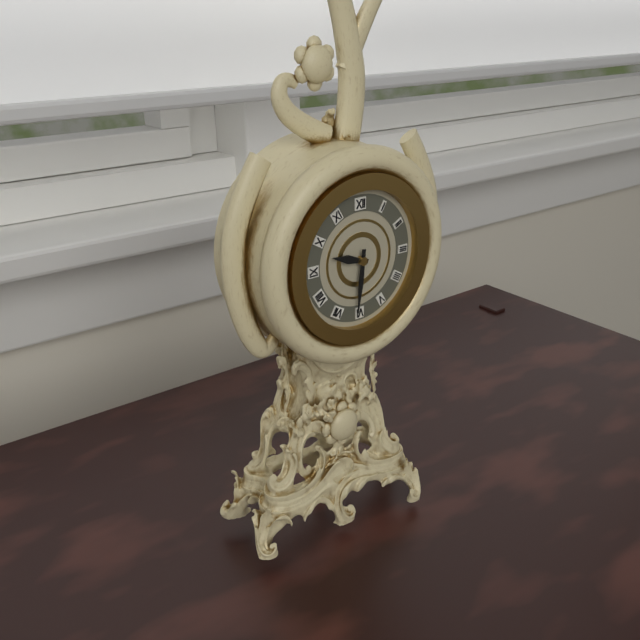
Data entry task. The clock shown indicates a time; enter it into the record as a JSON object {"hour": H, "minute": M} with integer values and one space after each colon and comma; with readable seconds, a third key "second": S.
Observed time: {"hour": 9, "minute": 31}
